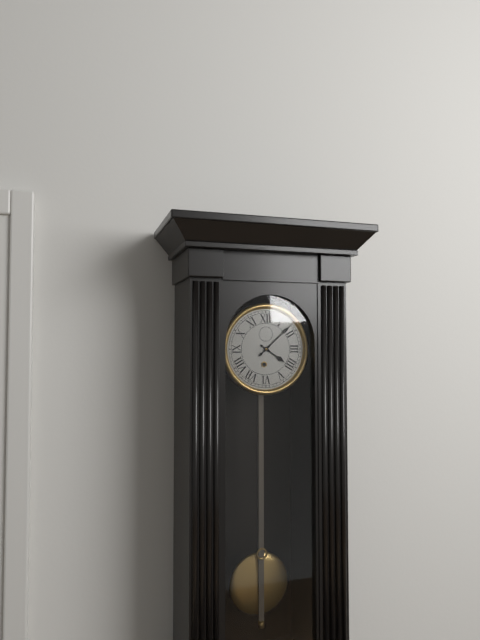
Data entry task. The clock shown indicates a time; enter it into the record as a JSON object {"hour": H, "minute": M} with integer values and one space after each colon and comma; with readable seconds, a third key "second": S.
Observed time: {"hour": 4, "minute": 8}
